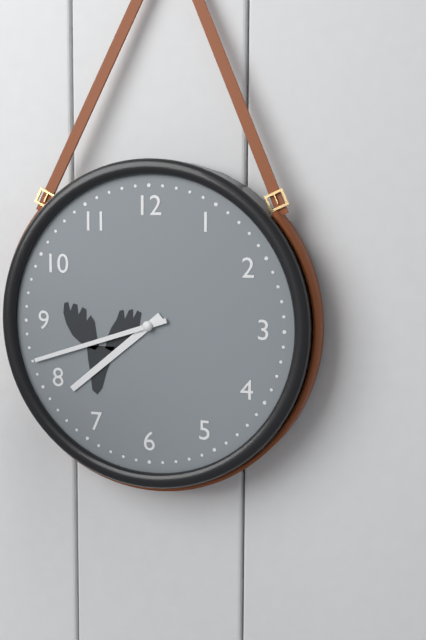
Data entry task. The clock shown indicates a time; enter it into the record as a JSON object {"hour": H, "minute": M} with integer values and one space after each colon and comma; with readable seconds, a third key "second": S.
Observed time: {"hour": 7, "minute": 42}
